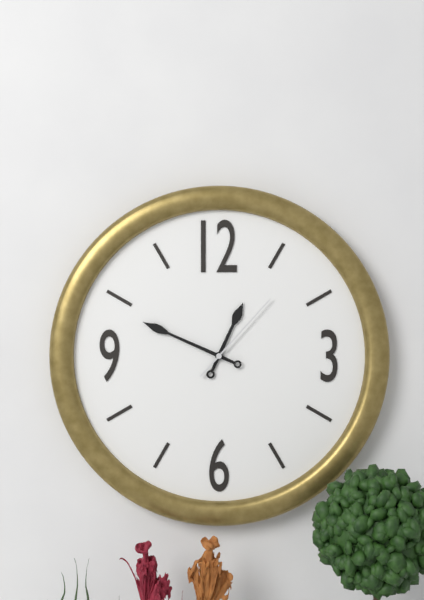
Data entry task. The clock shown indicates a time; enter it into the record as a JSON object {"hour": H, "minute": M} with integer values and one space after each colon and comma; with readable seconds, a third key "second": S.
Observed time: {"hour": 12, "minute": 49, "second": 7}
